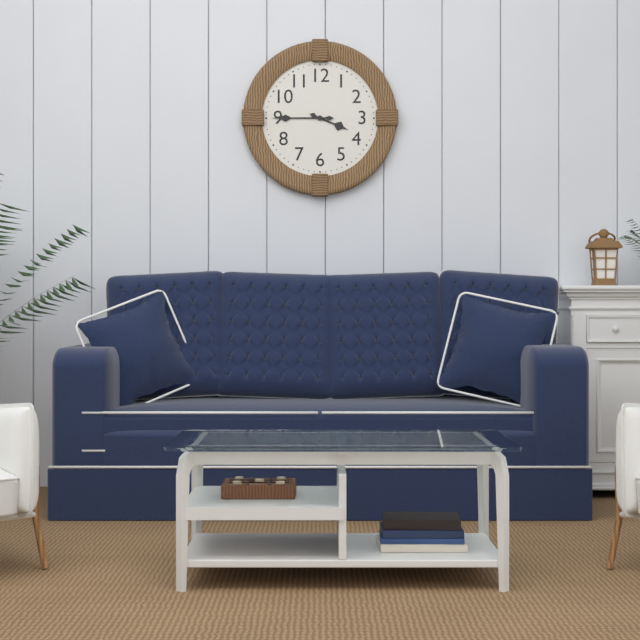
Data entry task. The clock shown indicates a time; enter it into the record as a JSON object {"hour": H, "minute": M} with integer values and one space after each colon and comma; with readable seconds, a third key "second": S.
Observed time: {"hour": 3, "minute": 45}
